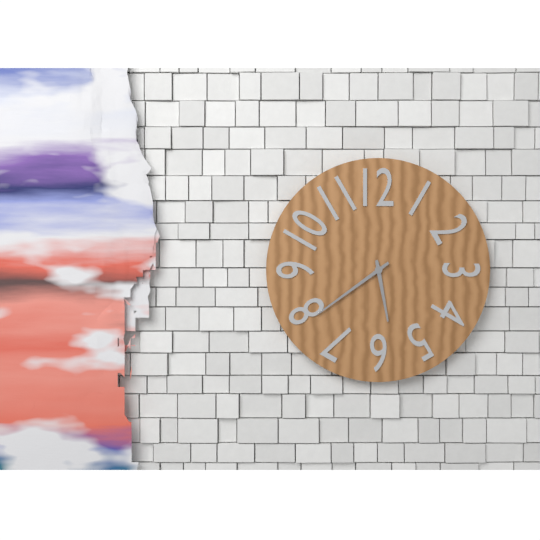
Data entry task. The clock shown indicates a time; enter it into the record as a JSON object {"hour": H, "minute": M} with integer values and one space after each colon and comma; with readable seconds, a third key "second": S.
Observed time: {"hour": 5, "minute": 39}
